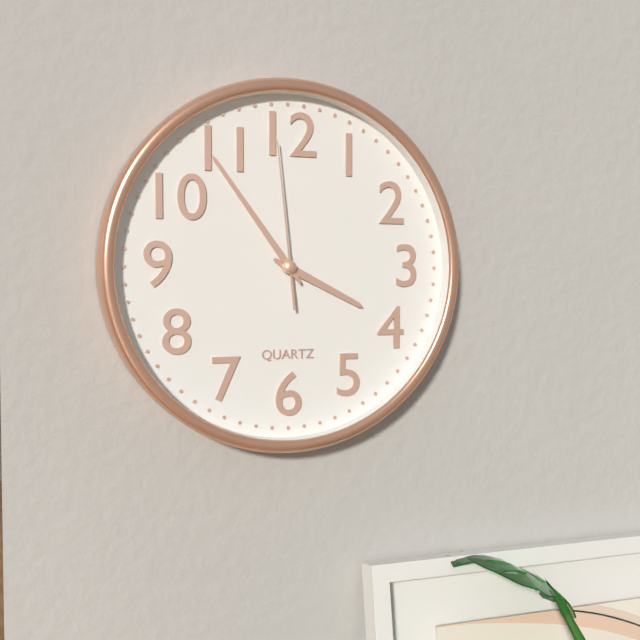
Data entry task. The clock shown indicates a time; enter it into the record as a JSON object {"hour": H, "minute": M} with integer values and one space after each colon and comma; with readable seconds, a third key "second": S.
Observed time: {"hour": 3, "minute": 54, "second": 59}
